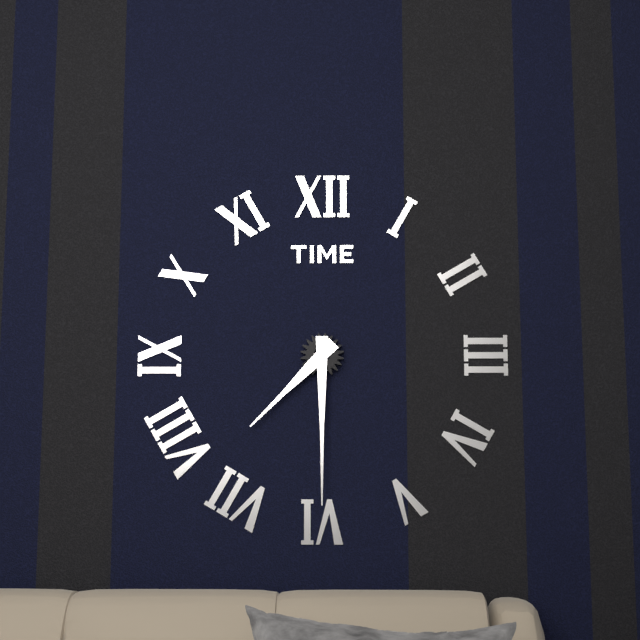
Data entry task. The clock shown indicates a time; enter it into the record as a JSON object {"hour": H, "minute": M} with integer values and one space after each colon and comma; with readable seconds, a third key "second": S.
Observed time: {"hour": 7, "minute": 30}
